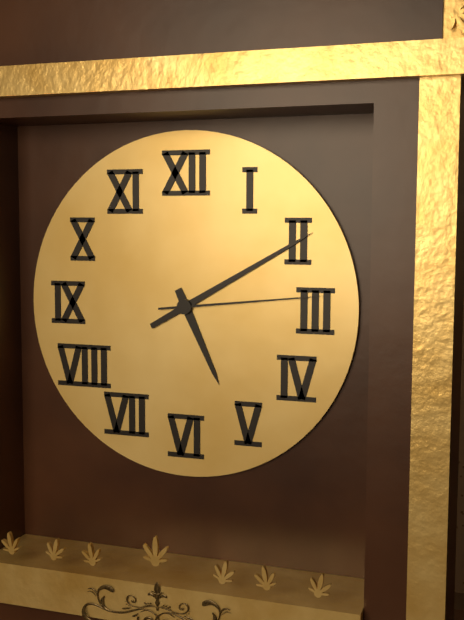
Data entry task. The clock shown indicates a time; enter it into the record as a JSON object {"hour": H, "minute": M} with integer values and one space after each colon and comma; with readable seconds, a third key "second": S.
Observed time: {"hour": 5, "minute": 10, "second": 14}
